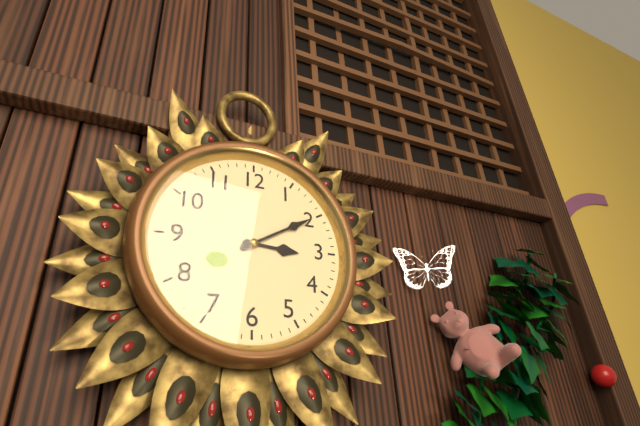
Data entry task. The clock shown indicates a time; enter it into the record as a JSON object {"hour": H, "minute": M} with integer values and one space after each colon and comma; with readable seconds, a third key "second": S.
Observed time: {"hour": 3, "minute": 10}
